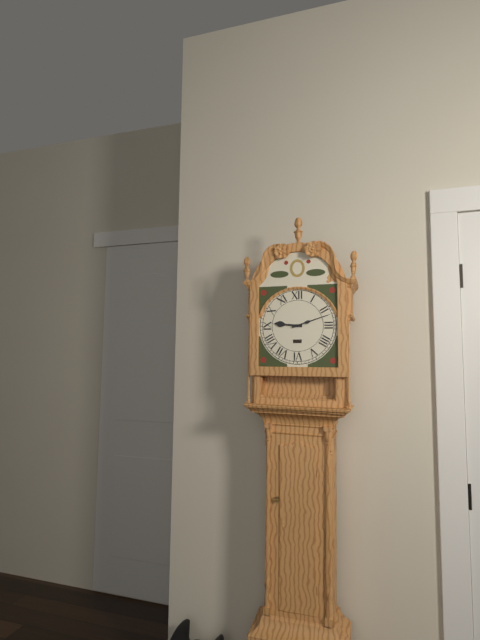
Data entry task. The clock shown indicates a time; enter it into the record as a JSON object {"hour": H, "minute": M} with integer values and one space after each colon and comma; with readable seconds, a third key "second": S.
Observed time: {"hour": 9, "minute": 12}
